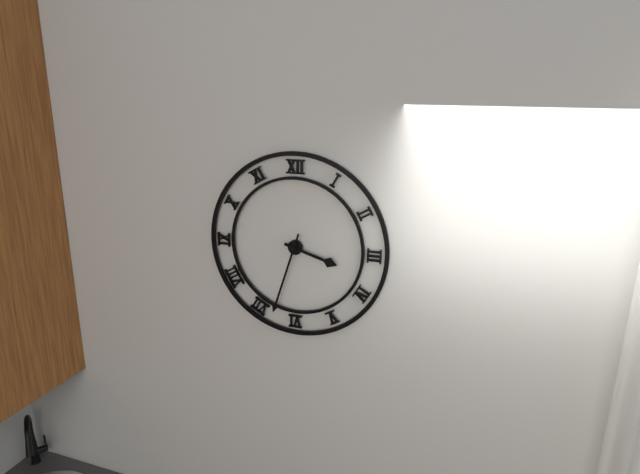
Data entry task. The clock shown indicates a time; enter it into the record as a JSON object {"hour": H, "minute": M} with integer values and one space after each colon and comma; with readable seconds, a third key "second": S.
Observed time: {"hour": 3, "minute": 33}
